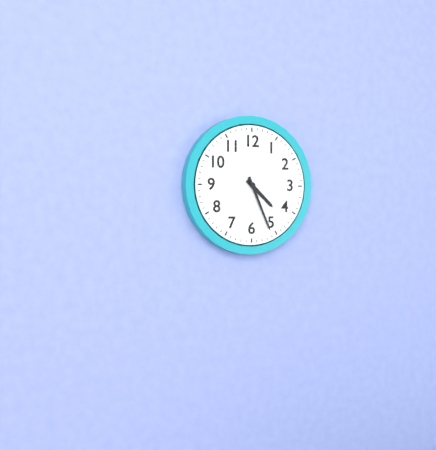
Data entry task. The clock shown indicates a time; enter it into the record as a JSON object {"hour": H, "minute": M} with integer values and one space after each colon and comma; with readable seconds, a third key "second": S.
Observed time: {"hour": 4, "minute": 26}
